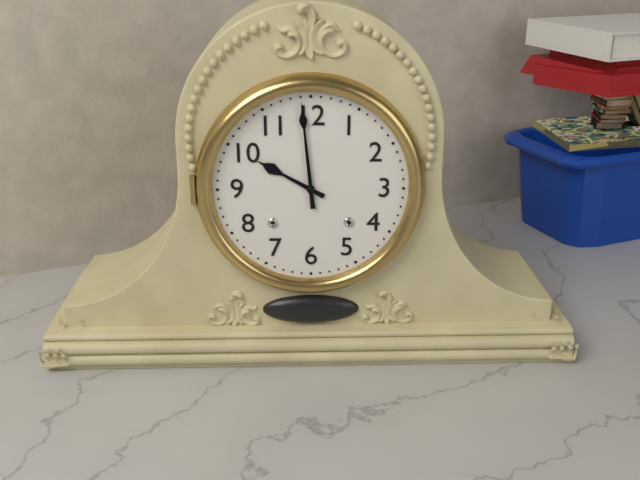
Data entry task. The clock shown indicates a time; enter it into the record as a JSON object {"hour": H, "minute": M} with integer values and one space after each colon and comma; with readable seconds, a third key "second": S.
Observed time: {"hour": 9, "minute": 59}
